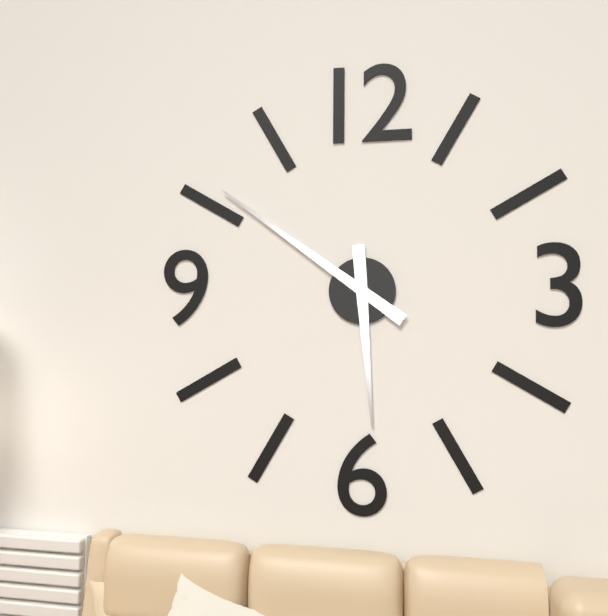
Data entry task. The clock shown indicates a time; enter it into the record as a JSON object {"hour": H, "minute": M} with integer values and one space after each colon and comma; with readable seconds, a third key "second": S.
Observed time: {"hour": 5, "minute": 51}
